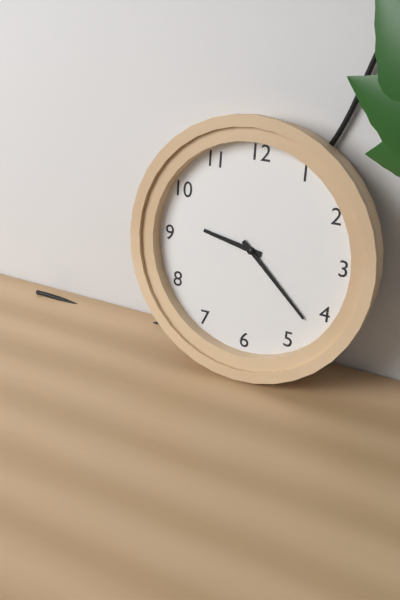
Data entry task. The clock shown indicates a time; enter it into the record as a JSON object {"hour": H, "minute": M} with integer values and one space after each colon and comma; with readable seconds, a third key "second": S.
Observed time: {"hour": 9, "minute": 22}
